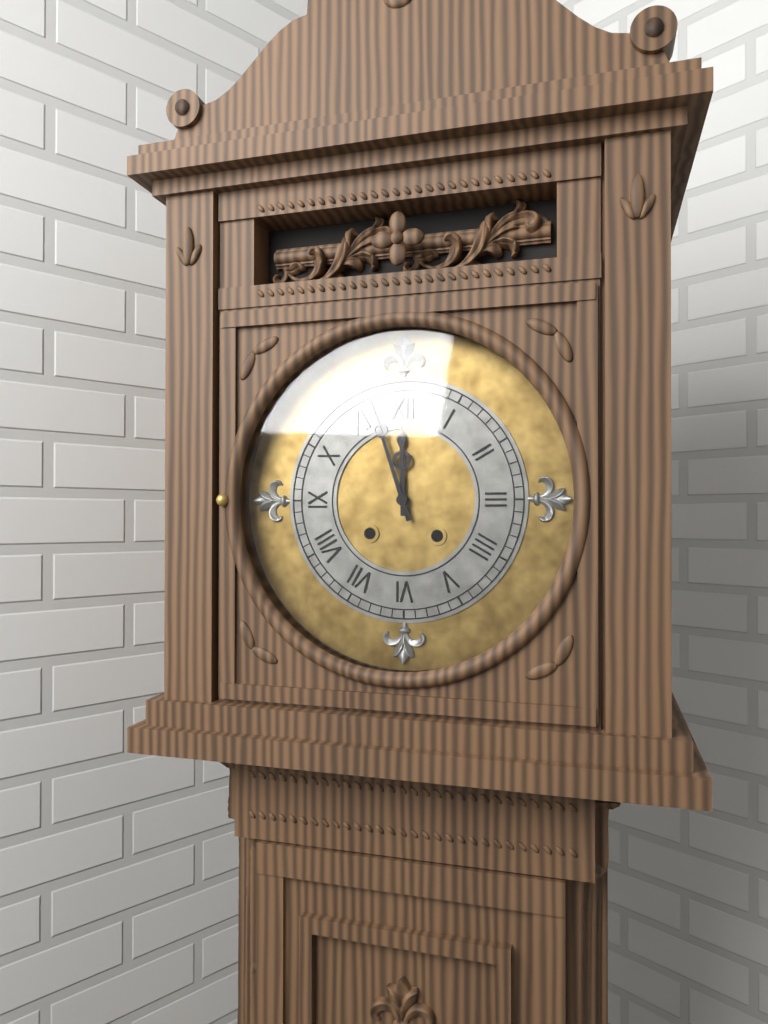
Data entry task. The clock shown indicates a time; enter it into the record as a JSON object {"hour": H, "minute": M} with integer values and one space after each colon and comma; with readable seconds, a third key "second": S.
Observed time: {"hour": 11, "minute": 57}
